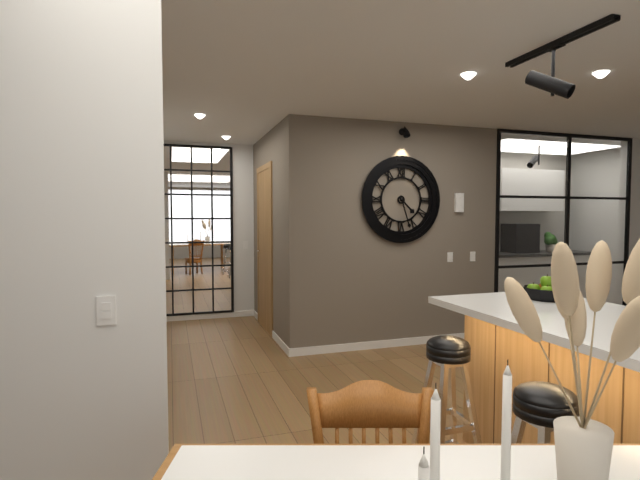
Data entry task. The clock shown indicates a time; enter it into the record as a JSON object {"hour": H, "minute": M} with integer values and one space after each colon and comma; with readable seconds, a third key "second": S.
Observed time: {"hour": 4, "minute": 27}
